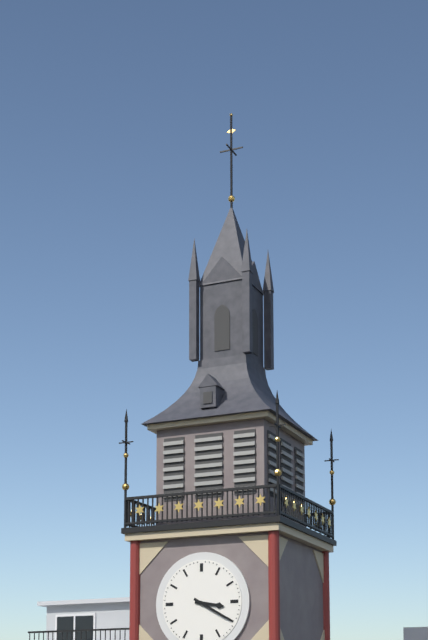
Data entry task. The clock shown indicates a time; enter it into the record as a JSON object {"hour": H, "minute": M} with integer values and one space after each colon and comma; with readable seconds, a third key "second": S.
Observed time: {"hour": 3, "minute": 20}
